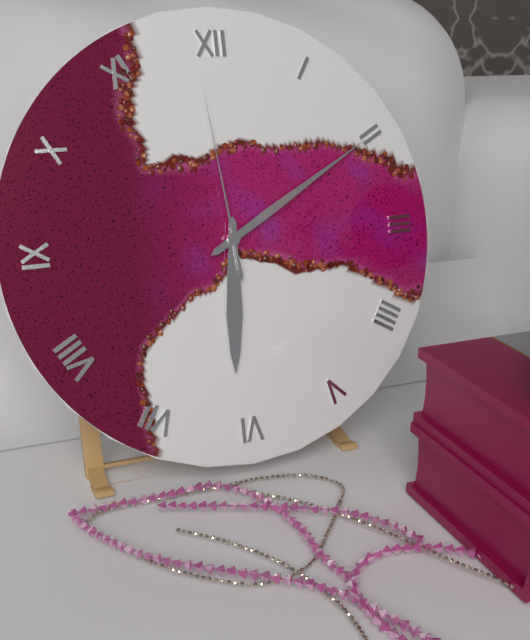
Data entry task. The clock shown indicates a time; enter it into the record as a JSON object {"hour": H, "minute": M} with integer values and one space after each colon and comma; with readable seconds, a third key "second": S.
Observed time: {"hour": 6, "minute": 10, "second": 59}
